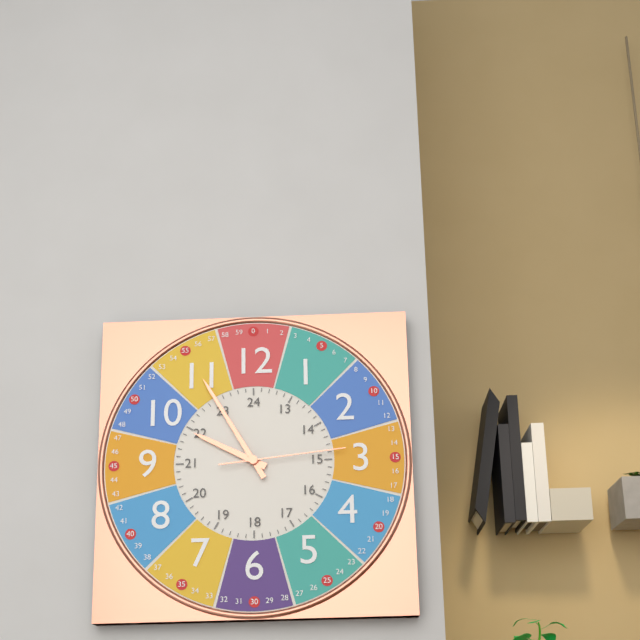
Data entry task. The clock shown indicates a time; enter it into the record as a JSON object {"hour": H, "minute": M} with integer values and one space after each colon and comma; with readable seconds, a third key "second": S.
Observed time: {"hour": 9, "minute": 55, "second": 14}
